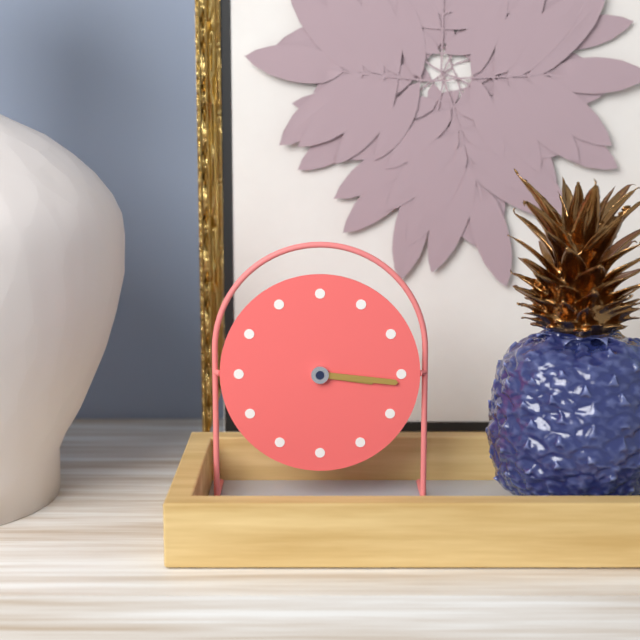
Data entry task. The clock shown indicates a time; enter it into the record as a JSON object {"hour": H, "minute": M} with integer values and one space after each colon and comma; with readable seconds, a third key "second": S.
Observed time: {"hour": 3, "minute": 16}
